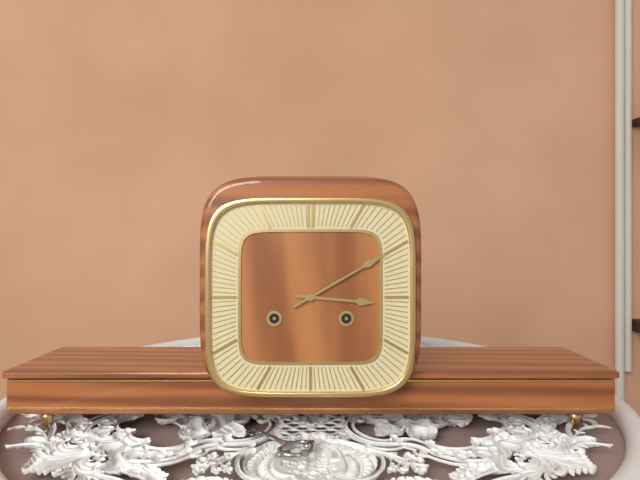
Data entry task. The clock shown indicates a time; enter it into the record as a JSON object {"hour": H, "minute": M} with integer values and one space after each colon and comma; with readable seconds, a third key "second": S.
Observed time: {"hour": 3, "minute": 10}
